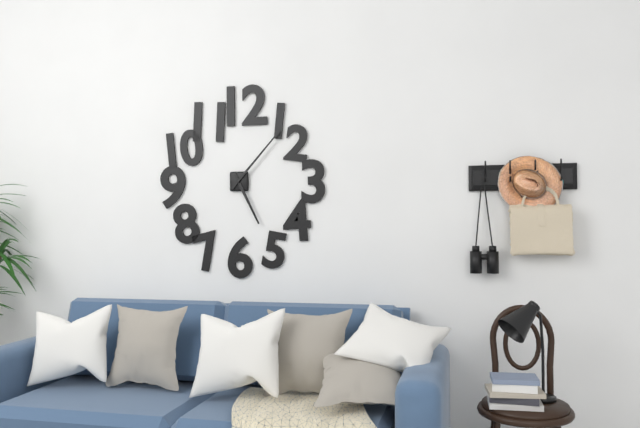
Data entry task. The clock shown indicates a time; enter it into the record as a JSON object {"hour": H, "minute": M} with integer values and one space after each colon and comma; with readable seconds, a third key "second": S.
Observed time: {"hour": 5, "minute": 7}
